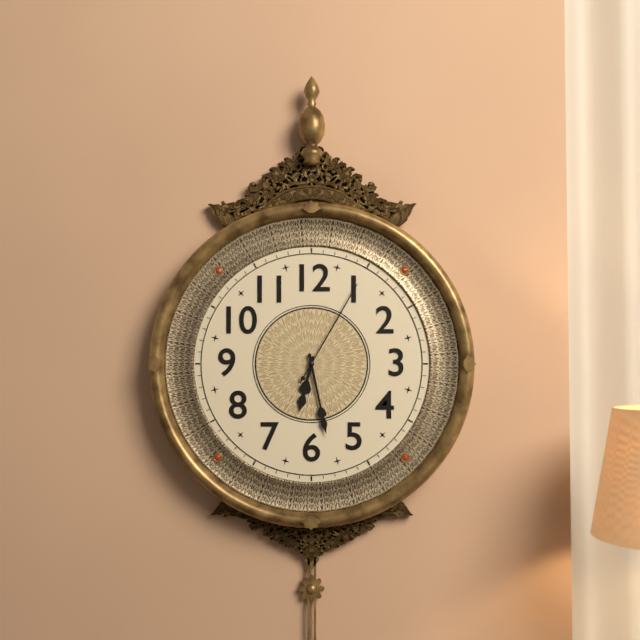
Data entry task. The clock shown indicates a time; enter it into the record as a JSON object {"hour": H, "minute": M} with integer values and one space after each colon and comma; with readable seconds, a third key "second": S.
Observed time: {"hour": 6, "minute": 28, "second": 5}
